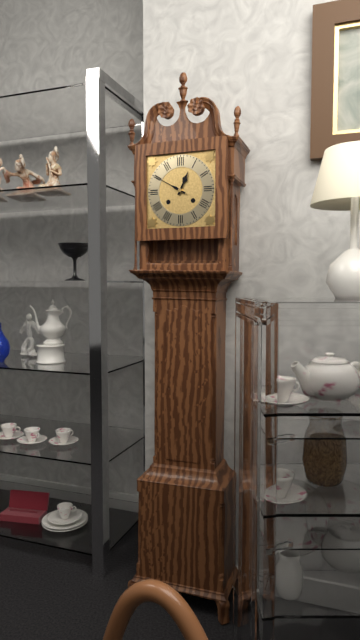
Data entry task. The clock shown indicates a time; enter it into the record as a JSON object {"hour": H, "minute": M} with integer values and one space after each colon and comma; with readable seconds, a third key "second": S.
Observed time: {"hour": 12, "minute": 50}
